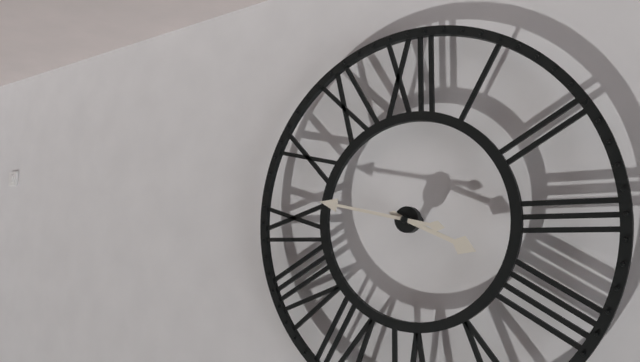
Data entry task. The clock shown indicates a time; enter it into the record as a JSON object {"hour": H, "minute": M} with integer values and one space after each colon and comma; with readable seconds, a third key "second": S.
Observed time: {"hour": 3, "minute": 47}
